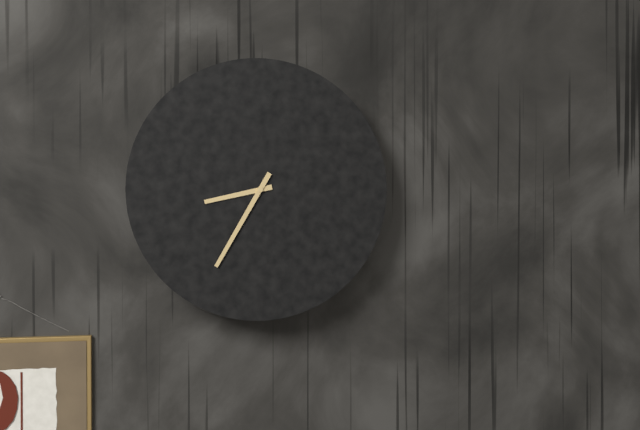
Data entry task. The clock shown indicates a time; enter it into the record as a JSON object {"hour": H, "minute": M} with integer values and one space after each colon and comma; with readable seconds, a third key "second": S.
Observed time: {"hour": 8, "minute": 35}
